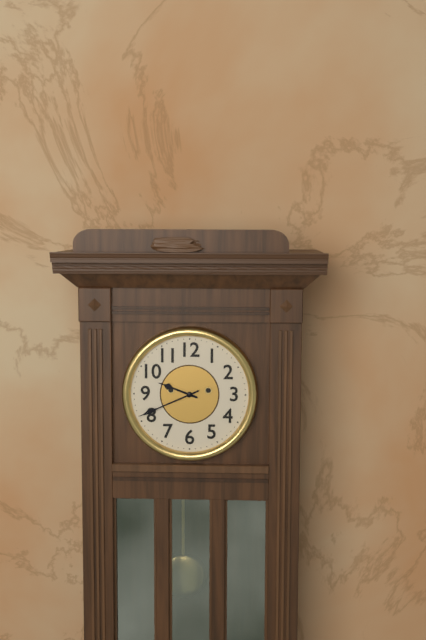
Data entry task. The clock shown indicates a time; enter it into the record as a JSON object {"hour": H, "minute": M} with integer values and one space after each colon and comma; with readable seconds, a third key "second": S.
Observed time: {"hour": 9, "minute": 41}
